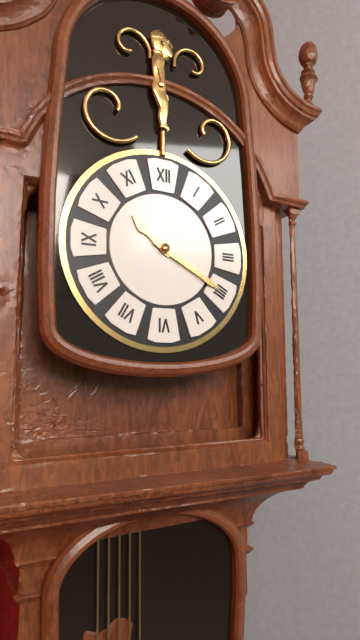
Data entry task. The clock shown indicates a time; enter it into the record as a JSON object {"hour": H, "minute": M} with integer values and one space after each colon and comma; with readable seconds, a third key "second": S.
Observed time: {"hour": 10, "minute": 20}
